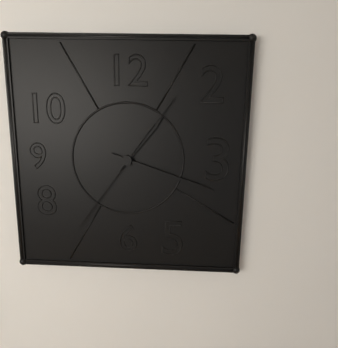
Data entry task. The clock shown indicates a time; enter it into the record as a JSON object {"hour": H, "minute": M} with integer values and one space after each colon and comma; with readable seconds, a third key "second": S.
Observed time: {"hour": 1, "minute": 18, "second": 36}
